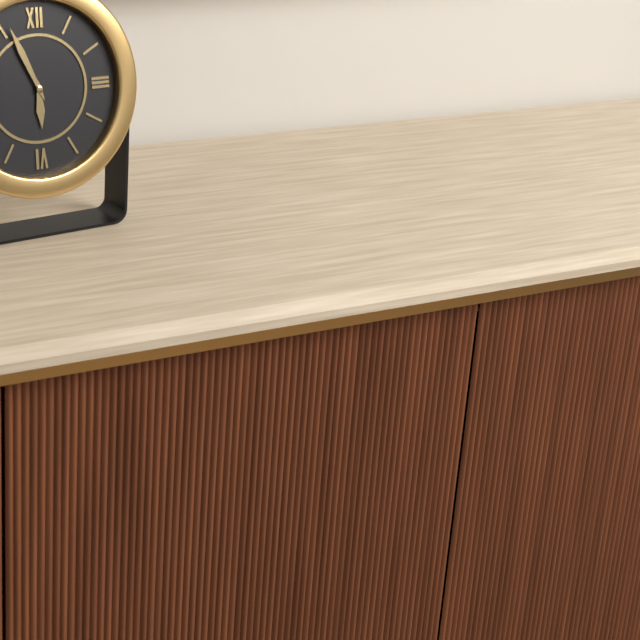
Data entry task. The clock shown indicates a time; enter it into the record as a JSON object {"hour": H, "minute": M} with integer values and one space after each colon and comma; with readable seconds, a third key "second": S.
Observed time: {"hour": 5, "minute": 56}
